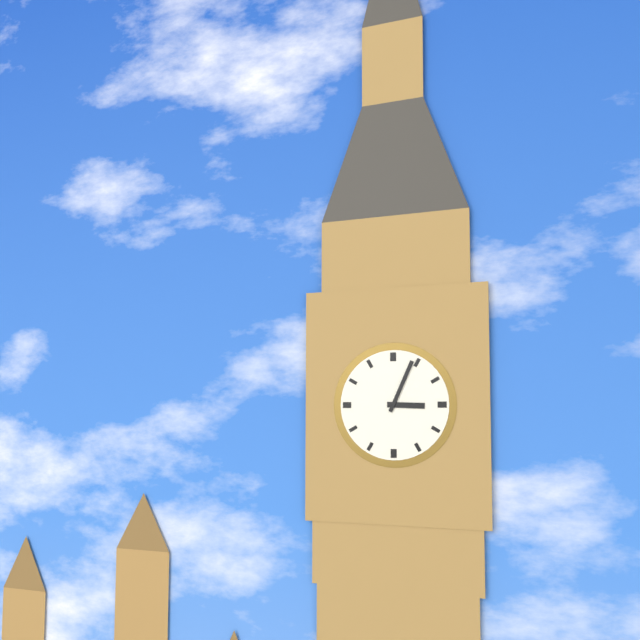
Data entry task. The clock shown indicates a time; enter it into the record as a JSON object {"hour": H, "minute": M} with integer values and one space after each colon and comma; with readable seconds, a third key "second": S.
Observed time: {"hour": 3, "minute": 4}
